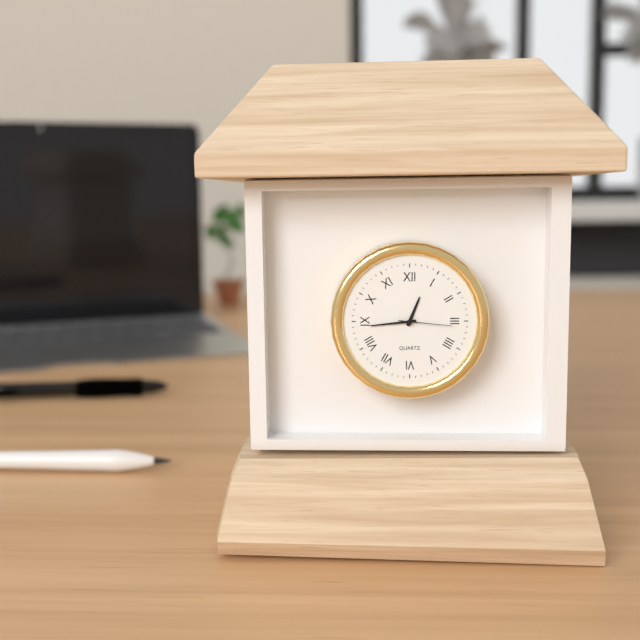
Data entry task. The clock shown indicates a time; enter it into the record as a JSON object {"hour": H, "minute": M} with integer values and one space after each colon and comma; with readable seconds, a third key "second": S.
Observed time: {"hour": 12, "minute": 44, "second": 16}
